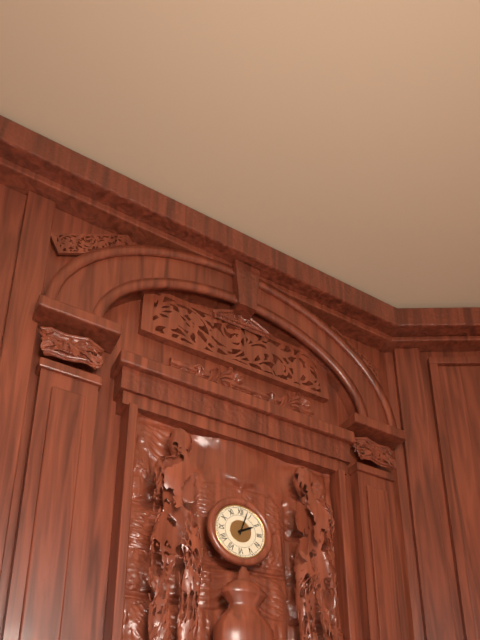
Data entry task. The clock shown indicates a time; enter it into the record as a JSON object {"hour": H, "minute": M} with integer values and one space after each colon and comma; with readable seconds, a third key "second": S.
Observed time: {"hour": 2, "minute": 3}
